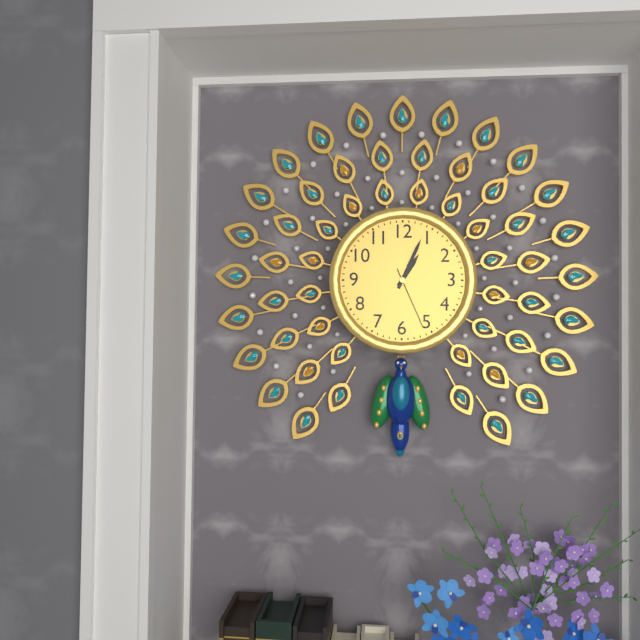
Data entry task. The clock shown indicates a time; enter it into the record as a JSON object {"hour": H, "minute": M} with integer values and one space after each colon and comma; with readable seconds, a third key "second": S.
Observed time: {"hour": 1, "minute": 4, "second": 26}
